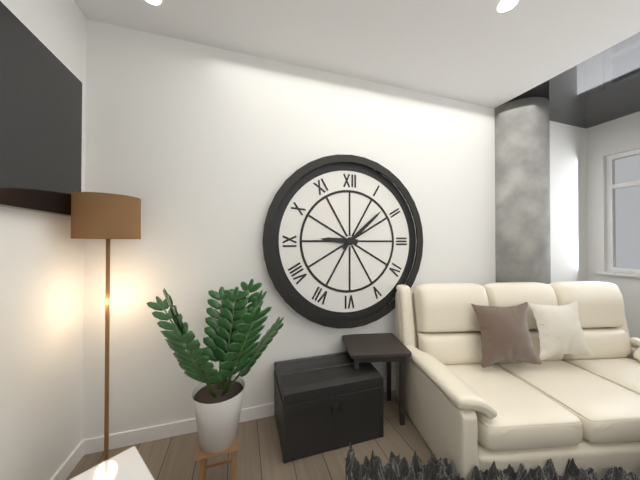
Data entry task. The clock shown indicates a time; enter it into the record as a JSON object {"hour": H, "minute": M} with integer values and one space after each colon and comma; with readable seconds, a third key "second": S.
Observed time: {"hour": 9, "minute": 8}
